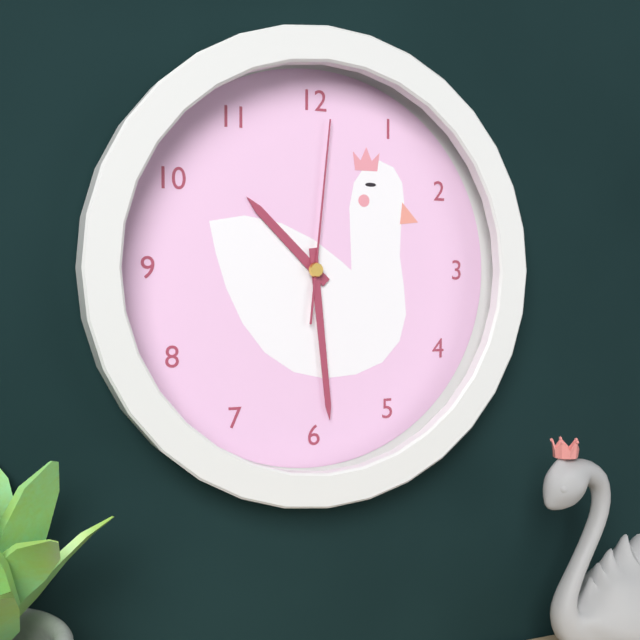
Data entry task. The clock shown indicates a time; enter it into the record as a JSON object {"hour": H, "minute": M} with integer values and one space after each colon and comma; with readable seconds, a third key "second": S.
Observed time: {"hour": 10, "minute": 29, "second": 1}
